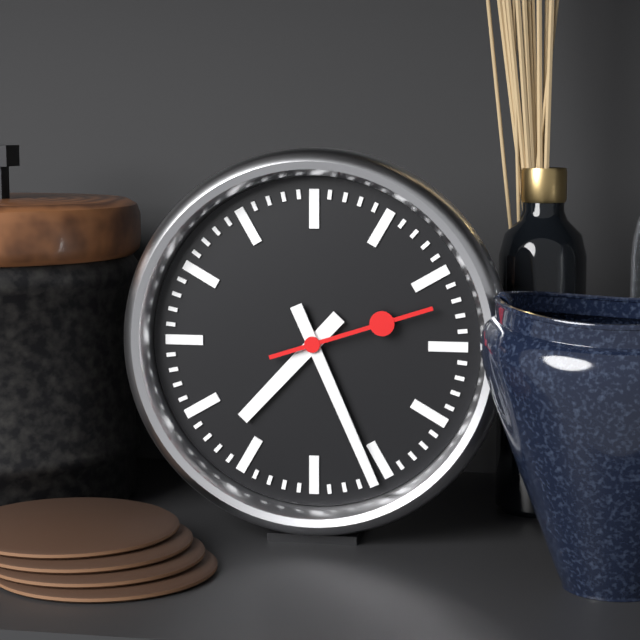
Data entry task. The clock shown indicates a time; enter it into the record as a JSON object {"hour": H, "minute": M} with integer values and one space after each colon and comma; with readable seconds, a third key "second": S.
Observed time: {"hour": 7, "minute": 26, "second": 12}
